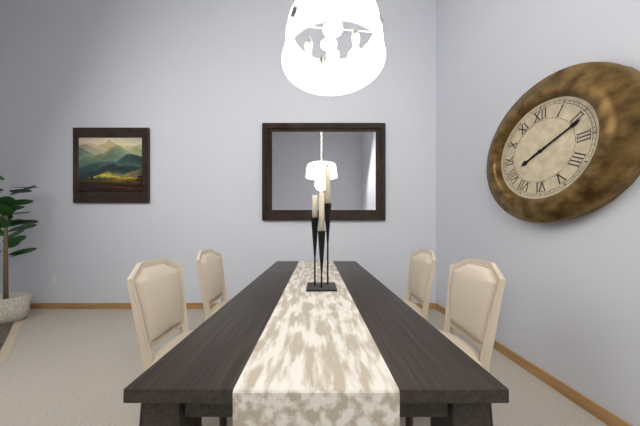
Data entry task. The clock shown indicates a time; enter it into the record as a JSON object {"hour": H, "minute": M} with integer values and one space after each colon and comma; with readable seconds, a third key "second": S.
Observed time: {"hour": 8, "minute": 11}
